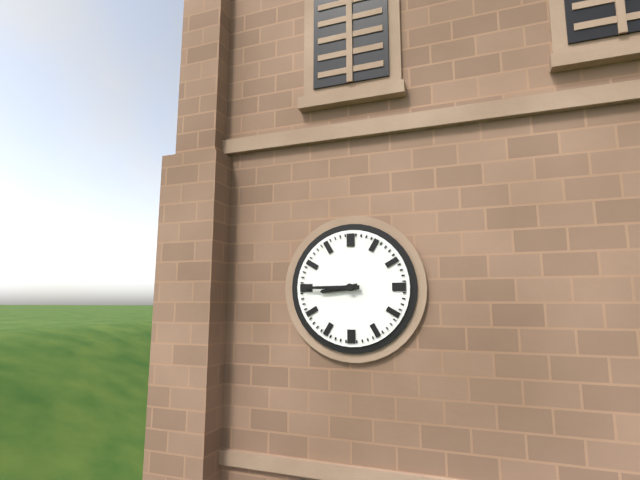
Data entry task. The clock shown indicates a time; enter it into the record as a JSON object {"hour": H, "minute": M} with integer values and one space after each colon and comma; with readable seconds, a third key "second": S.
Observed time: {"hour": 8, "minute": 45}
